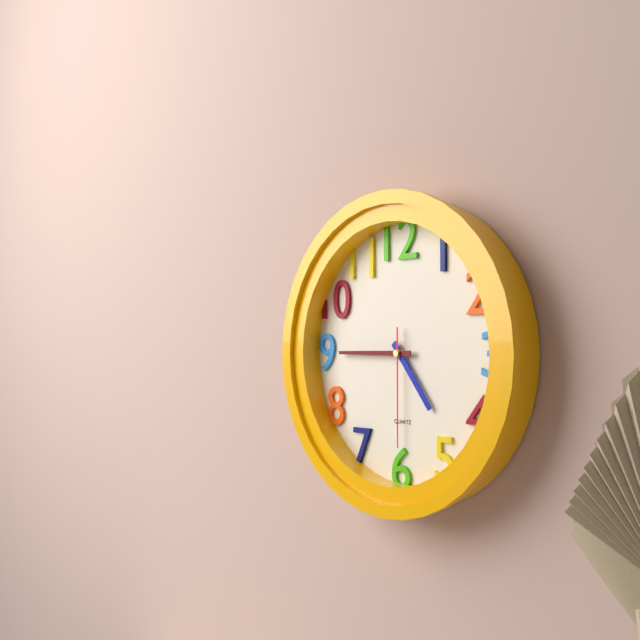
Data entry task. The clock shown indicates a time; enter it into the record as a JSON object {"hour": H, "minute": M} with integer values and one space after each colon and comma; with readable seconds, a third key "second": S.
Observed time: {"hour": 4, "minute": 45, "second": 30}
